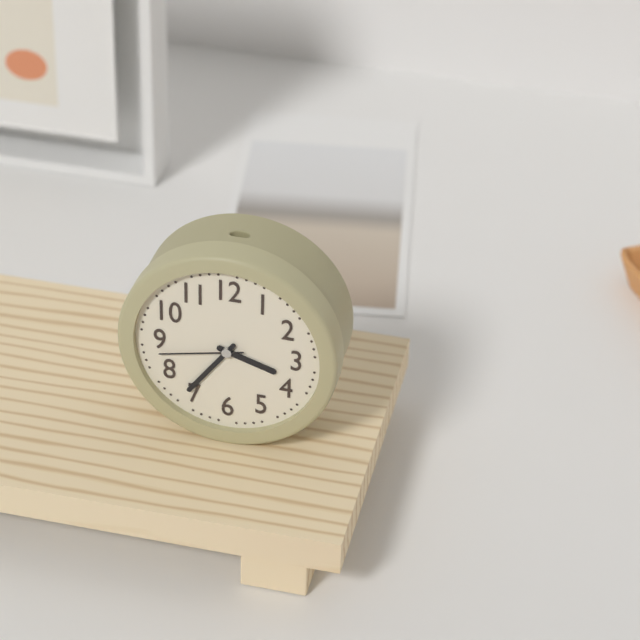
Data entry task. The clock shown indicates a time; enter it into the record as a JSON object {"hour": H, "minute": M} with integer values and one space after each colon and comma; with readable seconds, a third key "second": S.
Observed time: {"hour": 3, "minute": 36, "second": 43}
